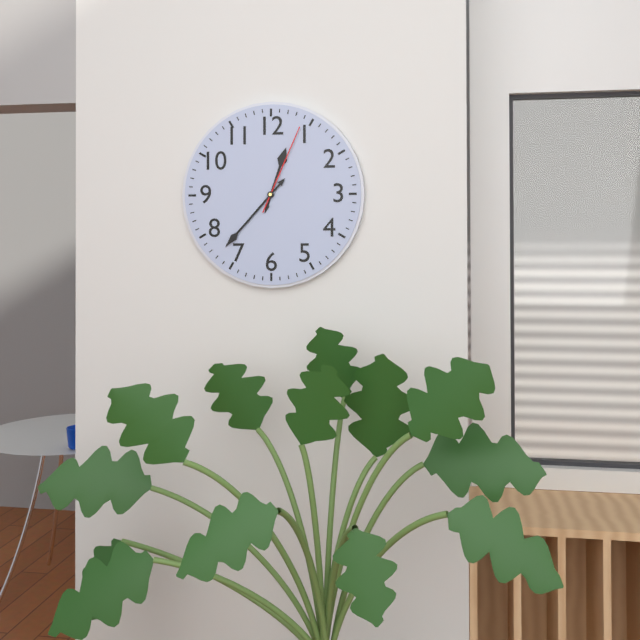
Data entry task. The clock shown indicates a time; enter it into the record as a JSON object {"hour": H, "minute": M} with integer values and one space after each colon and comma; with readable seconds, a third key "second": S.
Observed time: {"hour": 12, "minute": 37, "second": 4}
